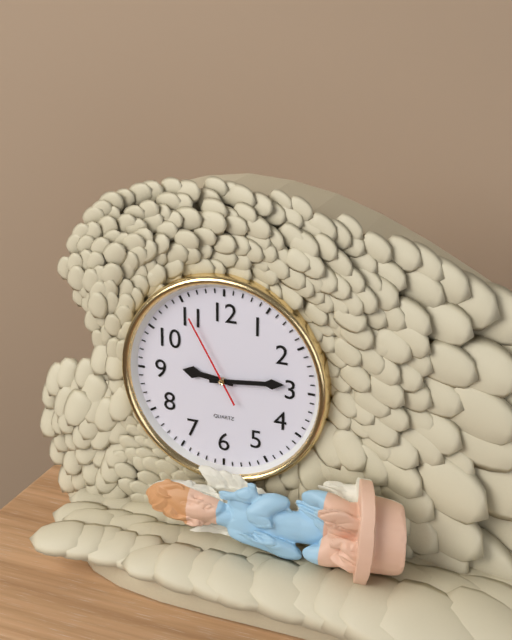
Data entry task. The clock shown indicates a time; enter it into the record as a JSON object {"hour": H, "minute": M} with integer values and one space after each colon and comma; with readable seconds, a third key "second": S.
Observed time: {"hour": 9, "minute": 14, "second": 55}
